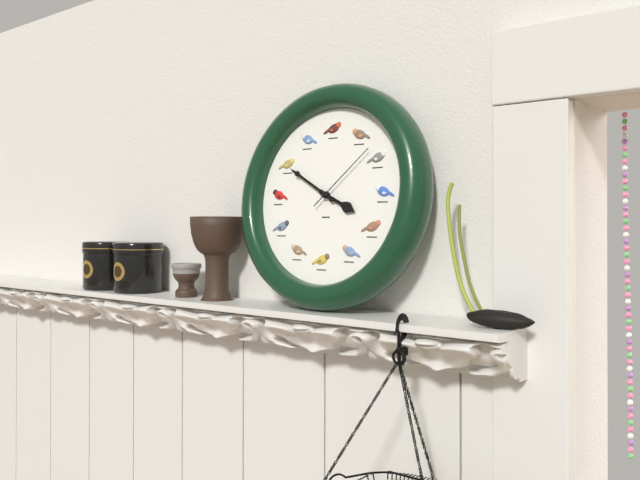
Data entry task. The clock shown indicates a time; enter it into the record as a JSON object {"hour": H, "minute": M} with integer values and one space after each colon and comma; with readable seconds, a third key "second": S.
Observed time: {"hour": 3, "minute": 50, "second": 8}
